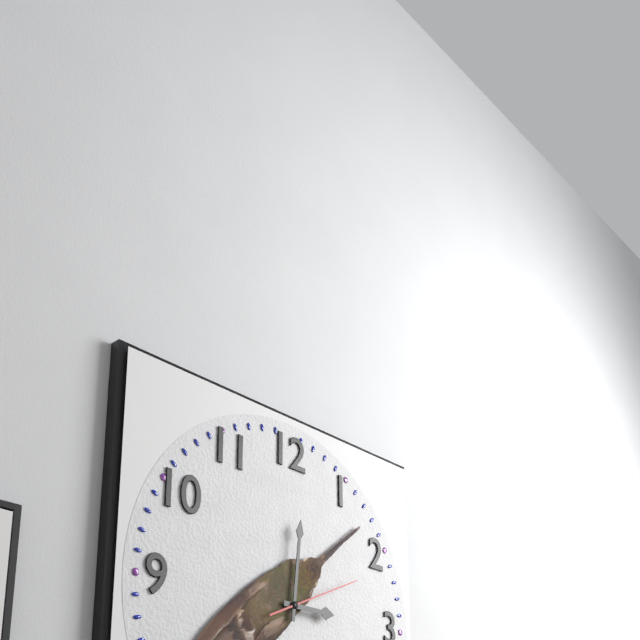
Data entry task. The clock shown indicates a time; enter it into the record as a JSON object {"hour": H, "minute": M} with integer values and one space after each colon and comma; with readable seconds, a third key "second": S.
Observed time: {"hour": 3, "minute": 1, "second": 11}
